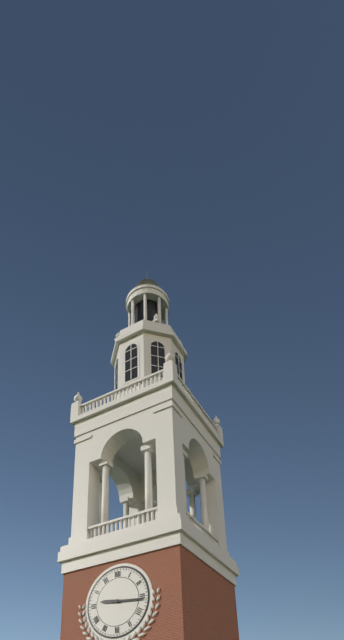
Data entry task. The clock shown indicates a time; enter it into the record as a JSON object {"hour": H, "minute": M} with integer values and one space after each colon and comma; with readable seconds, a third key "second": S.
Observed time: {"hour": 9, "minute": 16}
